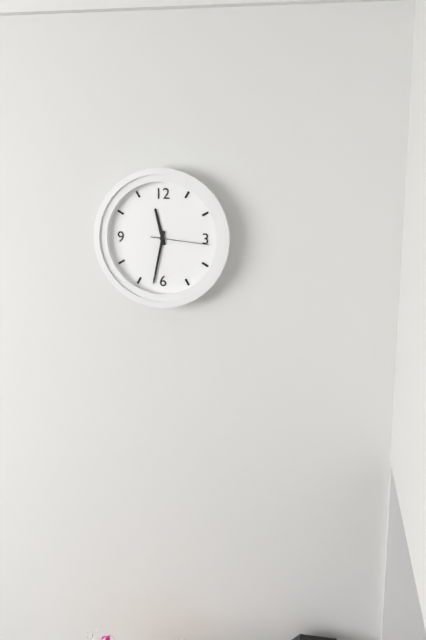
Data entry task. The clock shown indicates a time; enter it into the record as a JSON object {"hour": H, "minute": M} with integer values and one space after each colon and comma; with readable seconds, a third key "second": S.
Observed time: {"hour": 11, "minute": 32, "second": 16}
